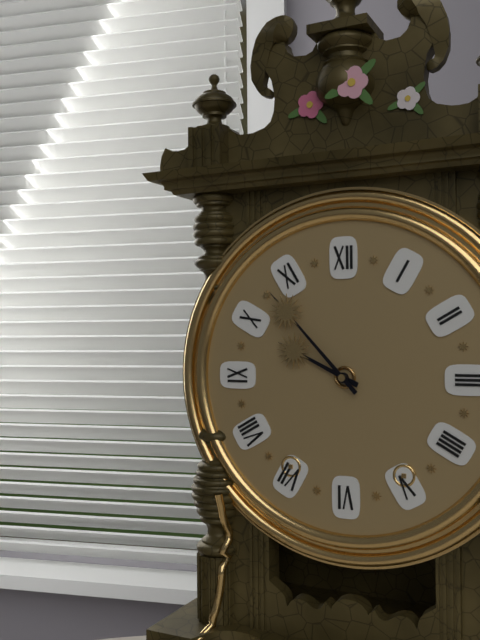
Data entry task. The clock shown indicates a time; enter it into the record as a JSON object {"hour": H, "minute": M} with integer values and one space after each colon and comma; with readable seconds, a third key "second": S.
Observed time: {"hour": 9, "minute": 53}
